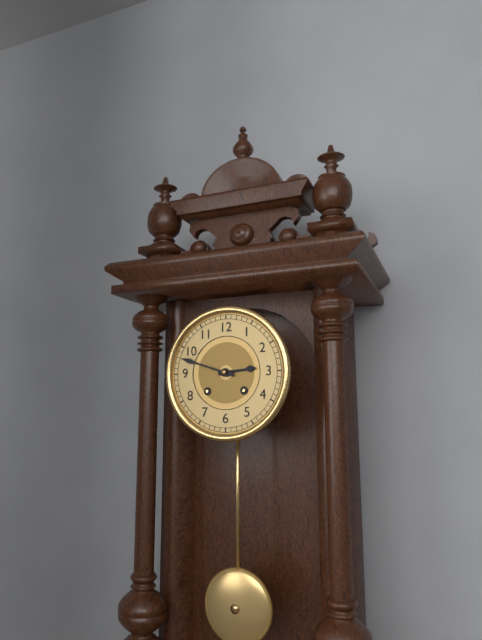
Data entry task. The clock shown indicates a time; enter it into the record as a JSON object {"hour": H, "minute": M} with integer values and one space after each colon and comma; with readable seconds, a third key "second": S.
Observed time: {"hour": 2, "minute": 48}
